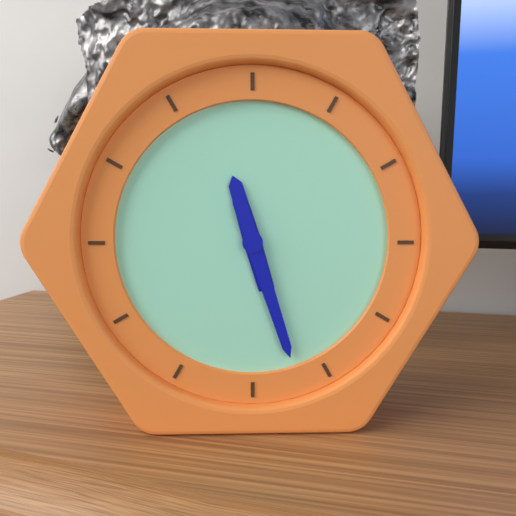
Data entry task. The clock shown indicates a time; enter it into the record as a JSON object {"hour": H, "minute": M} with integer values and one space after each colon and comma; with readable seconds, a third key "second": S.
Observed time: {"hour": 11, "minute": 27}
